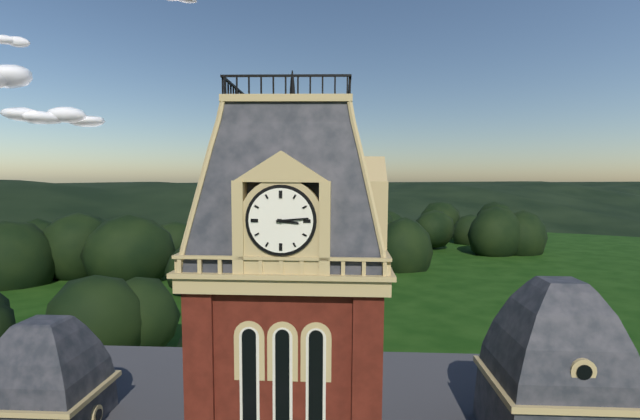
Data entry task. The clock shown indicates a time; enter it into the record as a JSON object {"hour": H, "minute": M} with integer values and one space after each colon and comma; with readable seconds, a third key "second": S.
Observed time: {"hour": 3, "minute": 14}
